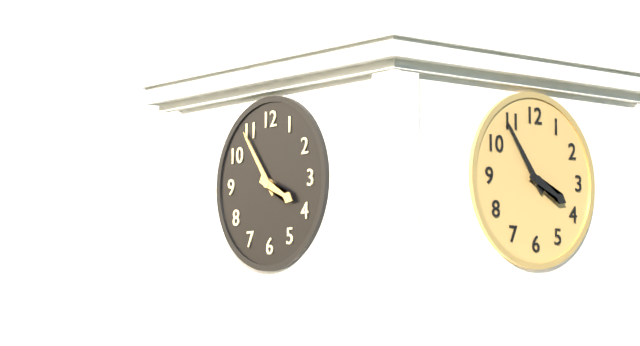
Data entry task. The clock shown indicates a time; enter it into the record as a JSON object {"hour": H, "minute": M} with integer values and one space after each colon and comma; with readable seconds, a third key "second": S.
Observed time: {"hour": 3, "minute": 54}
